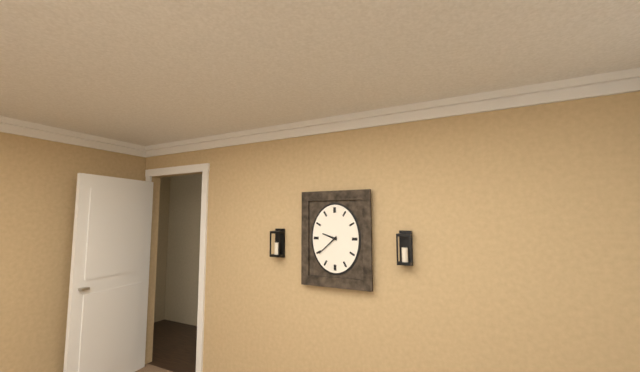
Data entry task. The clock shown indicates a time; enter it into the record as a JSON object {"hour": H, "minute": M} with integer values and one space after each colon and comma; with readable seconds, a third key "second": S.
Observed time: {"hour": 9, "minute": 38}
